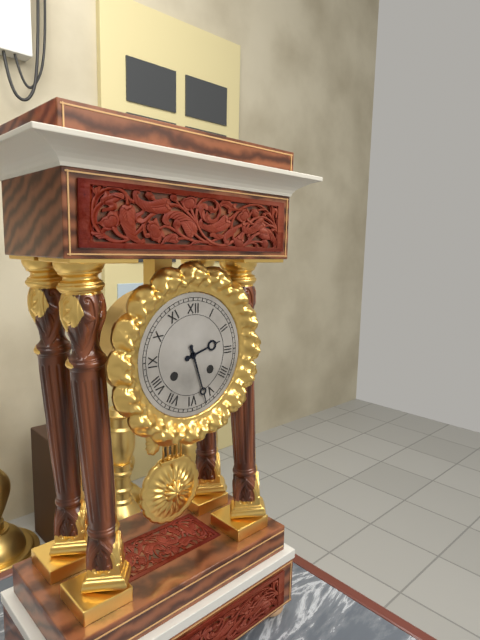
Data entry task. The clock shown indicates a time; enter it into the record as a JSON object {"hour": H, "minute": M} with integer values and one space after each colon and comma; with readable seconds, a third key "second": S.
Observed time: {"hour": 2, "minute": 27}
